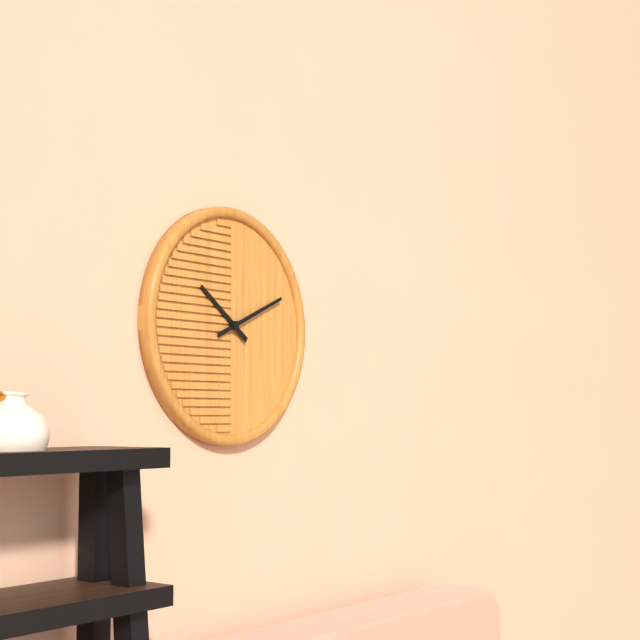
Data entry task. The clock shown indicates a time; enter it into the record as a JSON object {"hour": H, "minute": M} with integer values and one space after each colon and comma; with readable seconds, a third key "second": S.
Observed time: {"hour": 10, "minute": 11}
